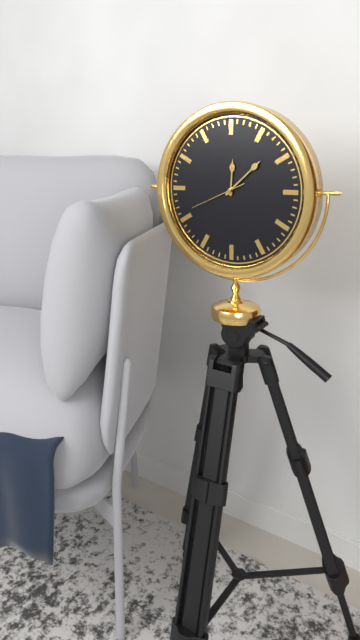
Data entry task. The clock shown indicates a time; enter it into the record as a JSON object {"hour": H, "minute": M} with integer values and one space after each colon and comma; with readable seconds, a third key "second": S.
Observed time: {"hour": 12, "minute": 8, "second": 41}
